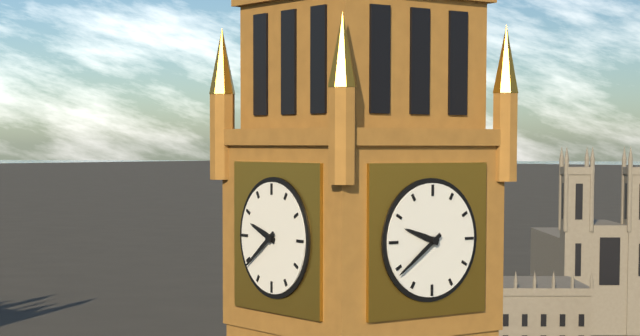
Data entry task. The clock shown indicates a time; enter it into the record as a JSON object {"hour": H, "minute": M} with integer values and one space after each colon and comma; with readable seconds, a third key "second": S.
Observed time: {"hour": 9, "minute": 39}
